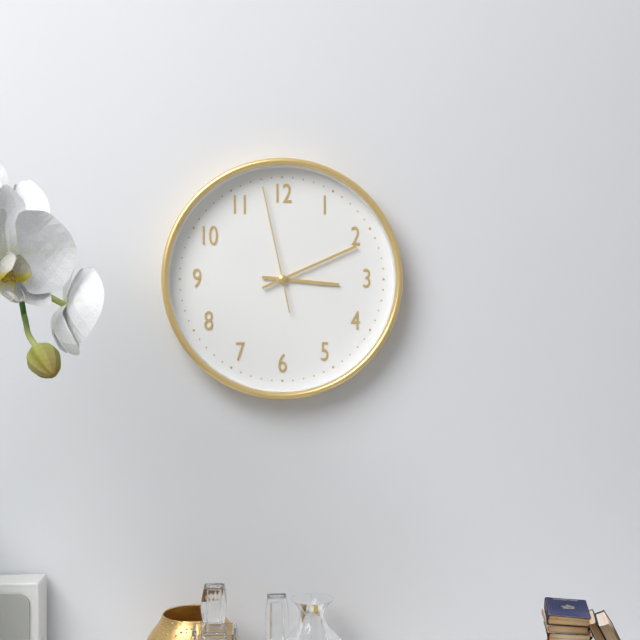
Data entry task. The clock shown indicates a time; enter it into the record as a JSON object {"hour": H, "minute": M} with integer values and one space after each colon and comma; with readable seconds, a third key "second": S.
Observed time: {"hour": 3, "minute": 11, "second": 58}
